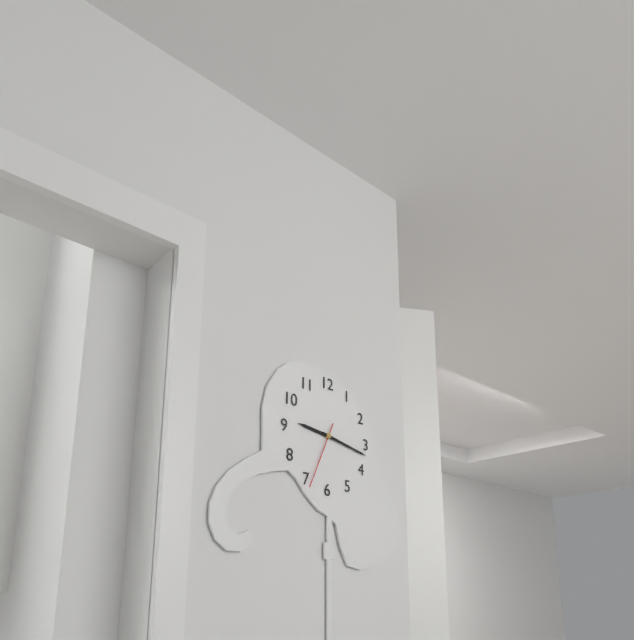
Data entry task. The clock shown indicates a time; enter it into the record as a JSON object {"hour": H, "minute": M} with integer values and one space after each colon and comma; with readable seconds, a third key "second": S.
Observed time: {"hour": 9, "minute": 17, "second": 34}
